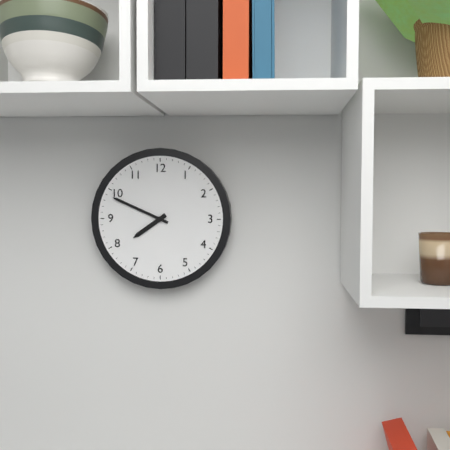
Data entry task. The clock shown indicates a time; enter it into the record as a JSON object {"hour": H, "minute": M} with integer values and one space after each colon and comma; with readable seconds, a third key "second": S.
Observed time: {"hour": 7, "minute": 49}
